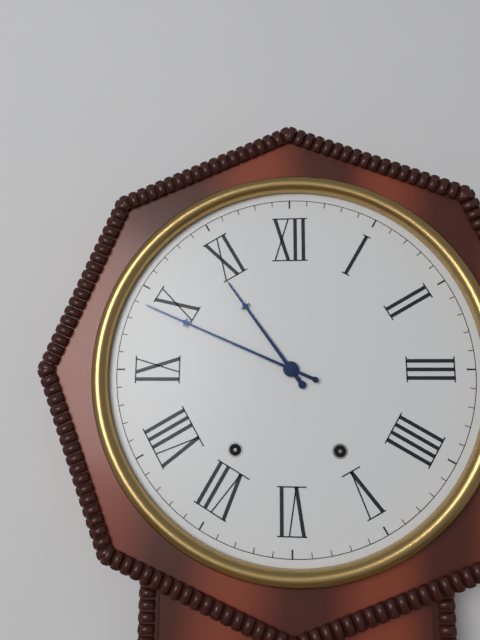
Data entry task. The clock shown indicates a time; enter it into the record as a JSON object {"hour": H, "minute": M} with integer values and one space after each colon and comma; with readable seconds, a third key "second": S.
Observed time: {"hour": 10, "minute": 49}
